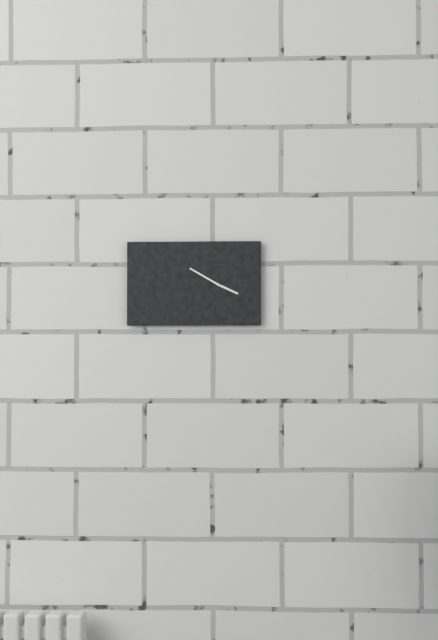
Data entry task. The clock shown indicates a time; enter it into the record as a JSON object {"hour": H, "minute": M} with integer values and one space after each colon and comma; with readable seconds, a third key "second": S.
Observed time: {"hour": 3, "minute": 50}
